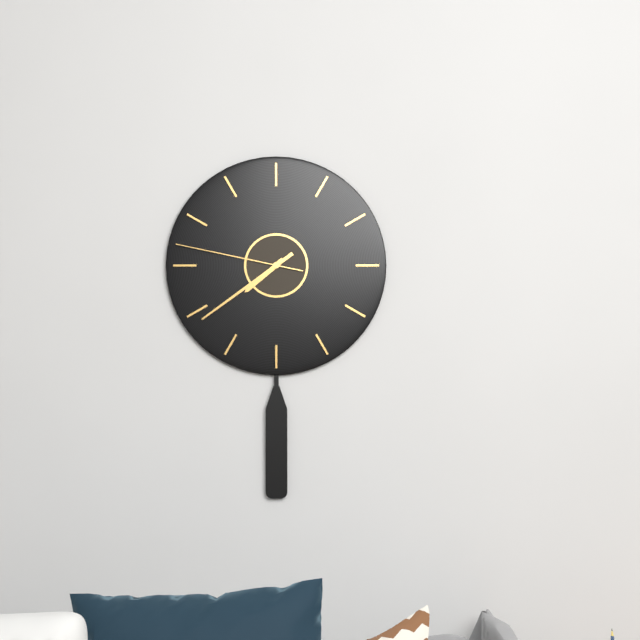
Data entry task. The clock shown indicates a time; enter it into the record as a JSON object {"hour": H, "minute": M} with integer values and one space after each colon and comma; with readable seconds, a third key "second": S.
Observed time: {"hour": 7, "minute": 39, "second": 47}
